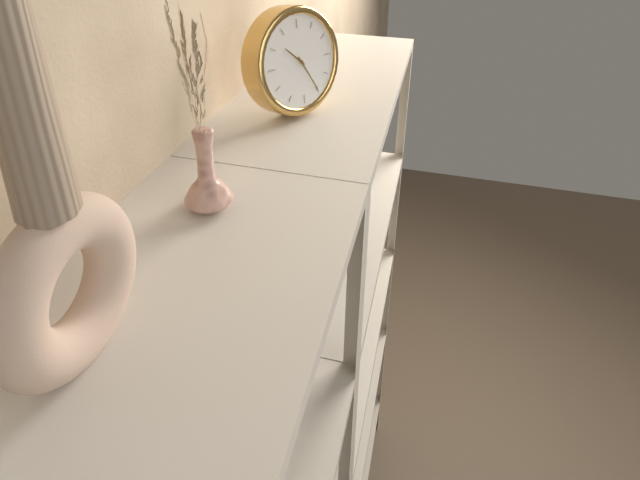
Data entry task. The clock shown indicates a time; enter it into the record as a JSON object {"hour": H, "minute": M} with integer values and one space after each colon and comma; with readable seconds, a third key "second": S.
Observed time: {"hour": 10, "minute": 25}
